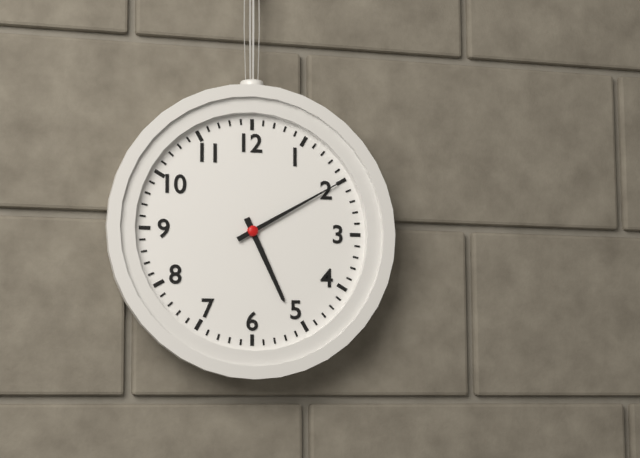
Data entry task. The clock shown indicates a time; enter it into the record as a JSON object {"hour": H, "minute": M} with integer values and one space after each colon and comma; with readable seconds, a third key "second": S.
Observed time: {"hour": 5, "minute": 10}
